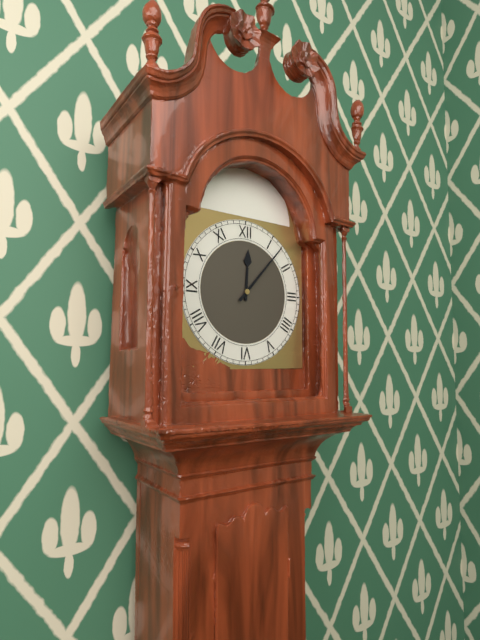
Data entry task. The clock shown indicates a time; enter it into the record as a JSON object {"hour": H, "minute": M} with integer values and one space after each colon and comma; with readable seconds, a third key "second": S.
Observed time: {"hour": 12, "minute": 7}
